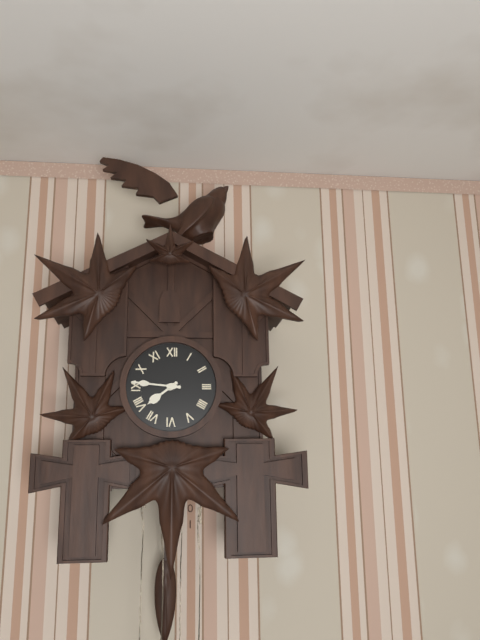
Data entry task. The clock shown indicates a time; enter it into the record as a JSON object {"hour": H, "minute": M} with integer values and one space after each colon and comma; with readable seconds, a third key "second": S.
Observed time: {"hour": 7, "minute": 46}
